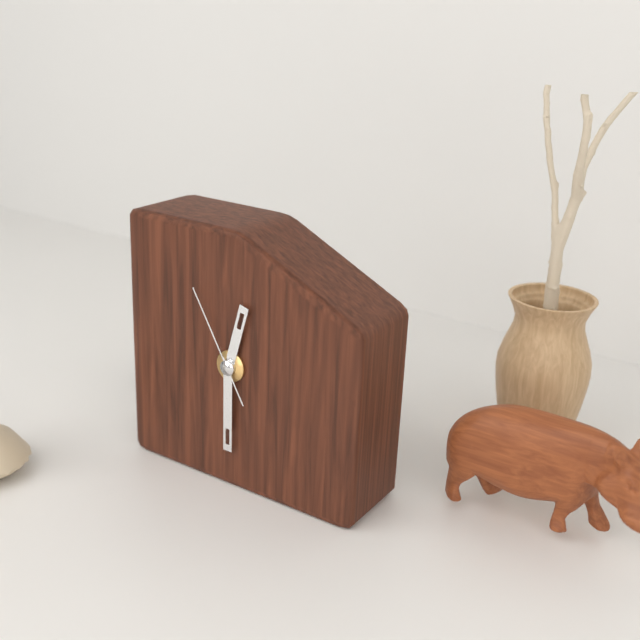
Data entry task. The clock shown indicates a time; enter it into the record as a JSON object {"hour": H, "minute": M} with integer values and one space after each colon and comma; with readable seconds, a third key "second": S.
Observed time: {"hour": 12, "minute": 30, "second": 55}
